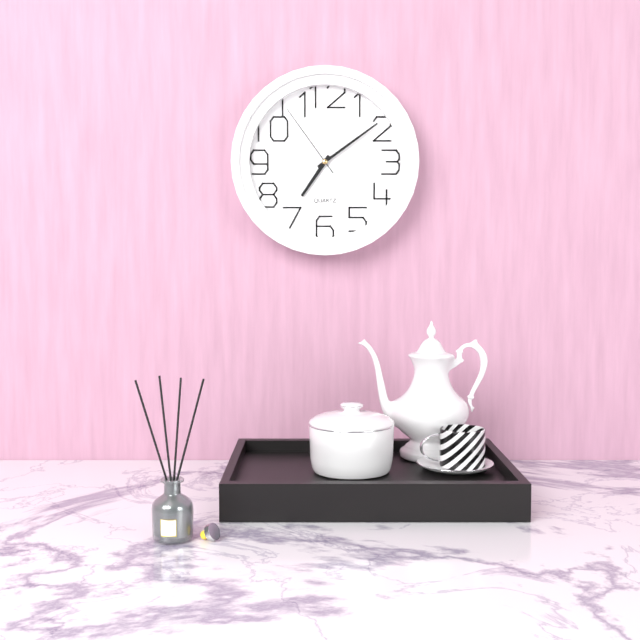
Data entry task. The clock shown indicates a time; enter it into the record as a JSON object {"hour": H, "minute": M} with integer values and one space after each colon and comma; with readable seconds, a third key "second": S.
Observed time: {"hour": 7, "minute": 9, "second": 54}
